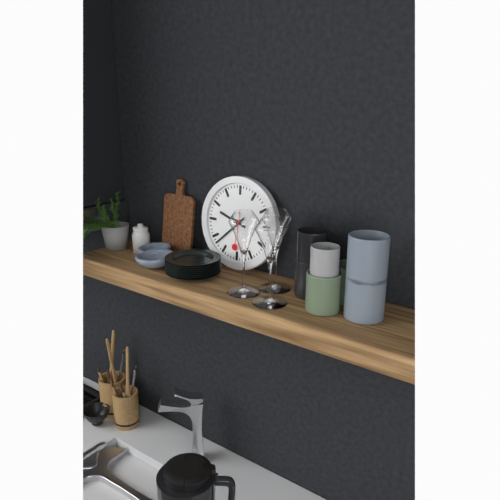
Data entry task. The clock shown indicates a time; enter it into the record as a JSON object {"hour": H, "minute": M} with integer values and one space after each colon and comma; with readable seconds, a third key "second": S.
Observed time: {"hour": 9, "minute": 38}
